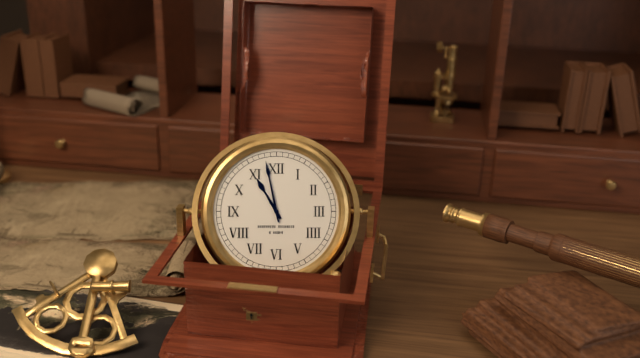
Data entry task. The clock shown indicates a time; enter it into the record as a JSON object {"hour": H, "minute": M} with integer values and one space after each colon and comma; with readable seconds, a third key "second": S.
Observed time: {"hour": 10, "minute": 58}
